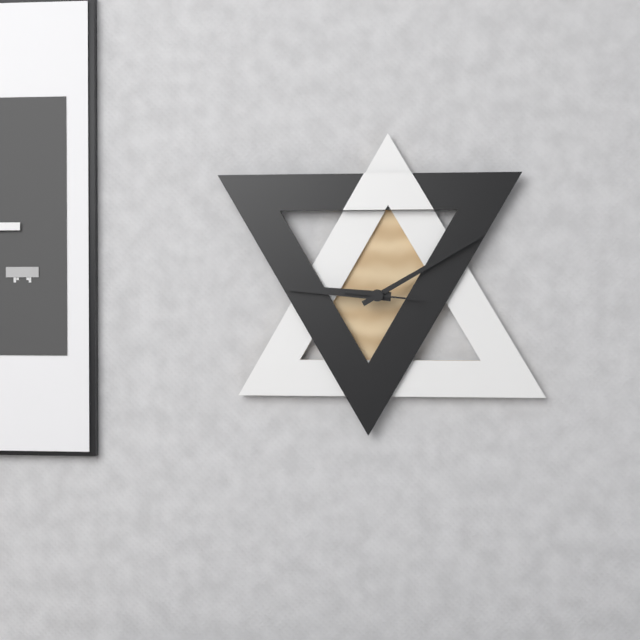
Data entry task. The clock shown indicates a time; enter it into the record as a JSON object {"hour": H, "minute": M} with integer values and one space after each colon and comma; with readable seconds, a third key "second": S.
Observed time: {"hour": 9, "minute": 10, "second": 16}
